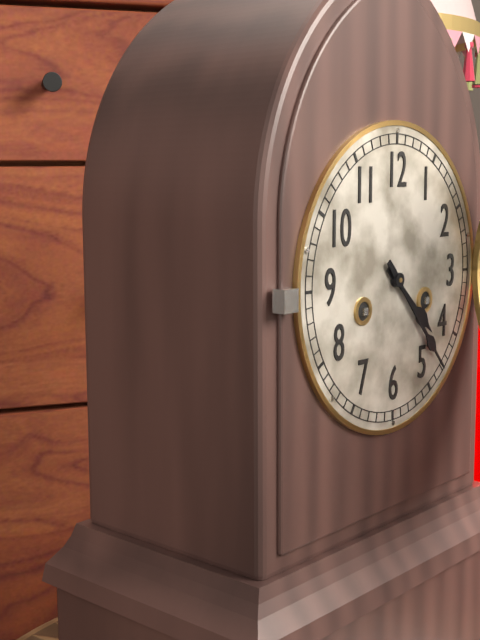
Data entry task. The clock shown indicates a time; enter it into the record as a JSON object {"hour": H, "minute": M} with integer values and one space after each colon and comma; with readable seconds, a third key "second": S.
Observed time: {"hour": 4, "minute": 23}
